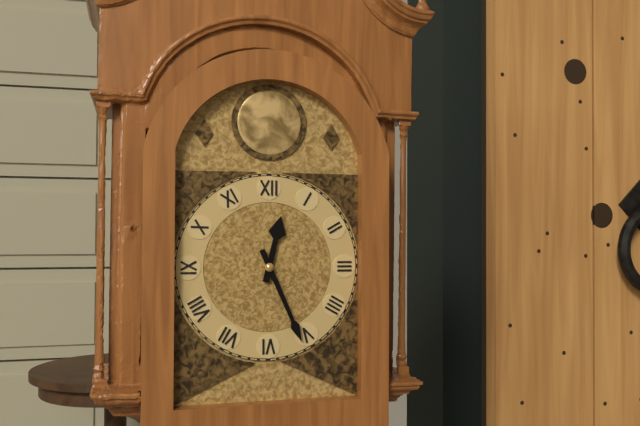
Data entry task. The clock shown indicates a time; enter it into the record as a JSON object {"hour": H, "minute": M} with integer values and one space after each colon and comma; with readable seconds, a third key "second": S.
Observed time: {"hour": 12, "minute": 26}
